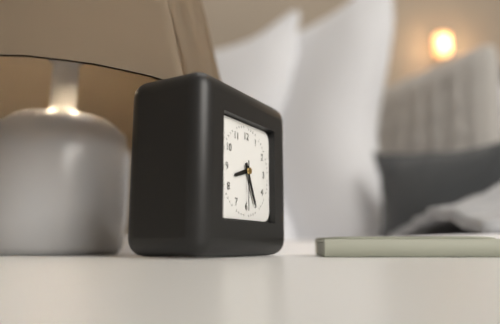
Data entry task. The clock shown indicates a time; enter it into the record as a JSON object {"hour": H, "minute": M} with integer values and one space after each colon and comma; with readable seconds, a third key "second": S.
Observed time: {"hour": 8, "minute": 26, "second": 30}
